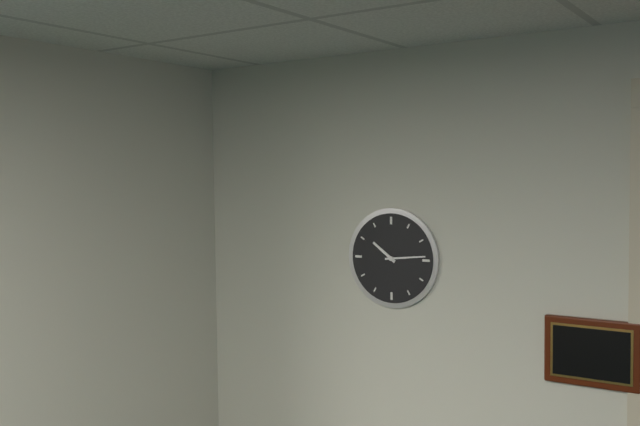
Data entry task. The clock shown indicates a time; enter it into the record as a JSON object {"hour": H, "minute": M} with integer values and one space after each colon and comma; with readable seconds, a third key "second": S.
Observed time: {"hour": 10, "minute": 14}
